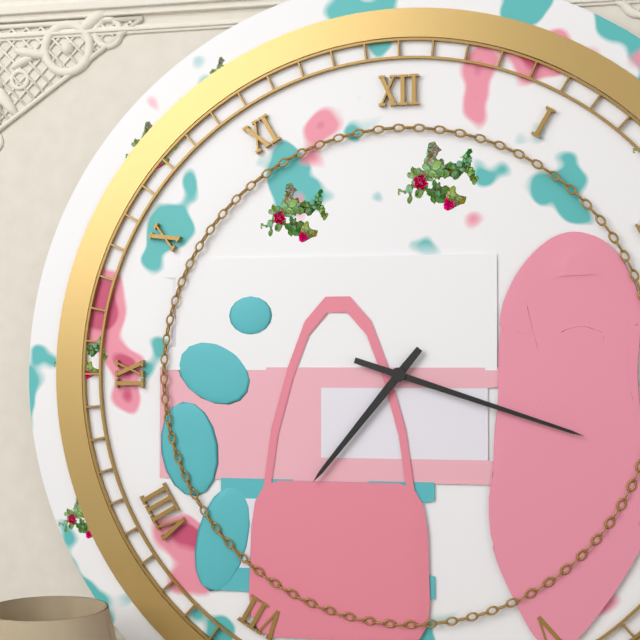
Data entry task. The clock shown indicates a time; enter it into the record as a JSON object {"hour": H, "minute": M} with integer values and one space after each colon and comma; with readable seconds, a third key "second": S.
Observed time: {"hour": 7, "minute": 18}
